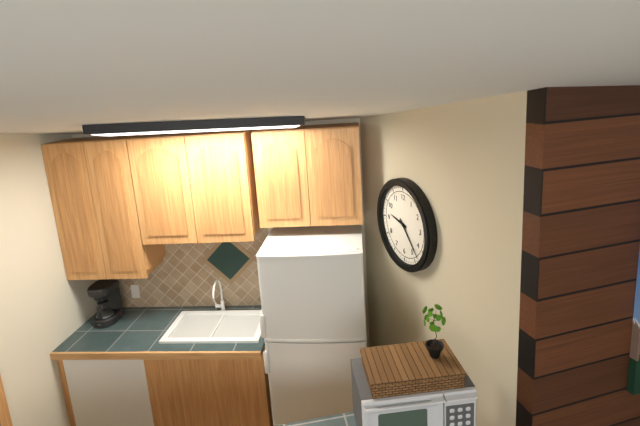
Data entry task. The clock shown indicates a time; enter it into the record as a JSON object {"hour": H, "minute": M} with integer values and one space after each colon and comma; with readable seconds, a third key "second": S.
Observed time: {"hour": 9, "minute": 23}
